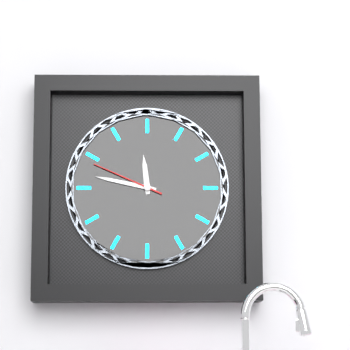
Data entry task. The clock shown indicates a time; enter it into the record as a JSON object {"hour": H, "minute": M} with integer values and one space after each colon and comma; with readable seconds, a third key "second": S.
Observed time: {"hour": 11, "minute": 47, "second": 49}
